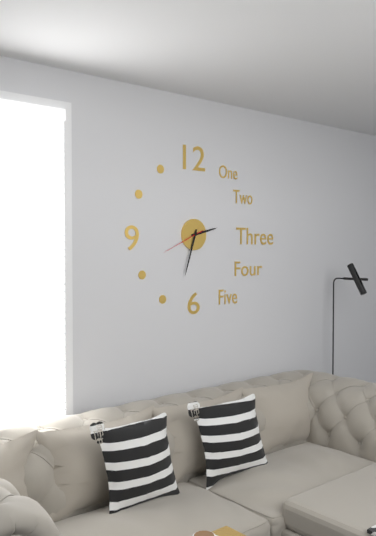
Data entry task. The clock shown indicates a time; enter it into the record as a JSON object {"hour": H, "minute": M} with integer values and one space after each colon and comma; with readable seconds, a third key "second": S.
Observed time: {"hour": 2, "minute": 33}
